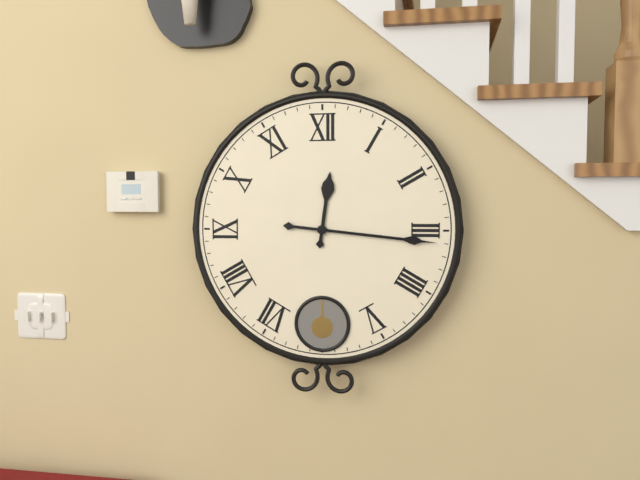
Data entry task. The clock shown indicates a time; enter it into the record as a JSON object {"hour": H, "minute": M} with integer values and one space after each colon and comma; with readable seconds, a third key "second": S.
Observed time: {"hour": 12, "minute": 16}
